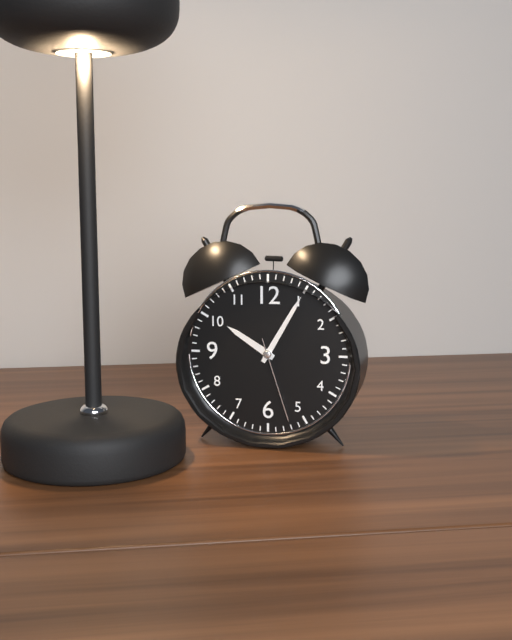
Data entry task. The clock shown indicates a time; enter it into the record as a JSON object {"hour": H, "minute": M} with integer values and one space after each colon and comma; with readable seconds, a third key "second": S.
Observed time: {"hour": 10, "minute": 5, "second": 27}
